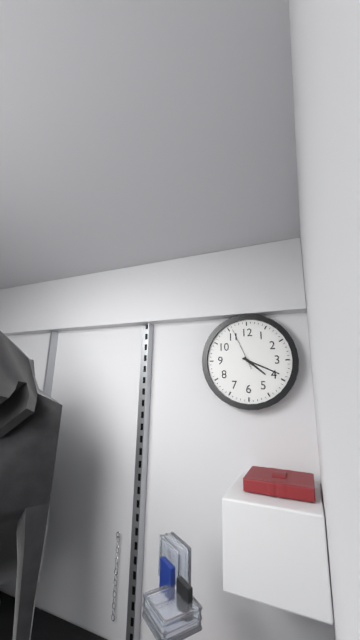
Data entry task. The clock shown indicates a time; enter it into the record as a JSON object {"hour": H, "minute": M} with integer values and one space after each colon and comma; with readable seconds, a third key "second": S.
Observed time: {"hour": 4, "minute": 19}
